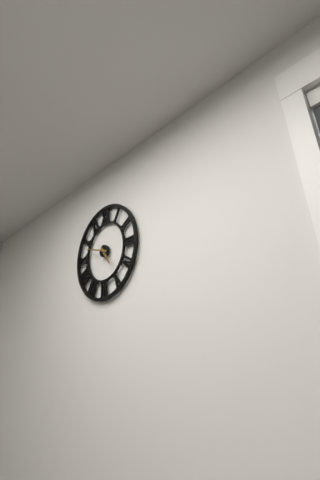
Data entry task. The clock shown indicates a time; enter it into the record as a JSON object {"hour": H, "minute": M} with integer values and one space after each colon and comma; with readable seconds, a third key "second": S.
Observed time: {"hour": 4, "minute": 48}
